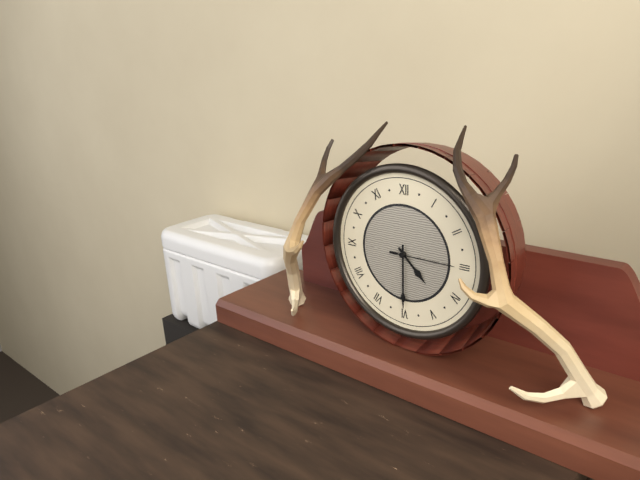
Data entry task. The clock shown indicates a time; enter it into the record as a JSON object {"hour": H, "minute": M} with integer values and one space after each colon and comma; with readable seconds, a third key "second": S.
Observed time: {"hour": 4, "minute": 30, "second": 15}
